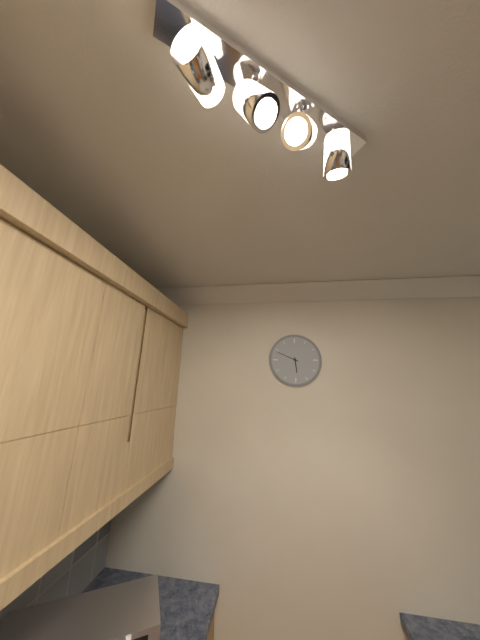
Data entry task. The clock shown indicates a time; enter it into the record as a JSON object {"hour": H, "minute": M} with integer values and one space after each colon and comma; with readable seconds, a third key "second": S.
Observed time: {"hour": 5, "minute": 49}
